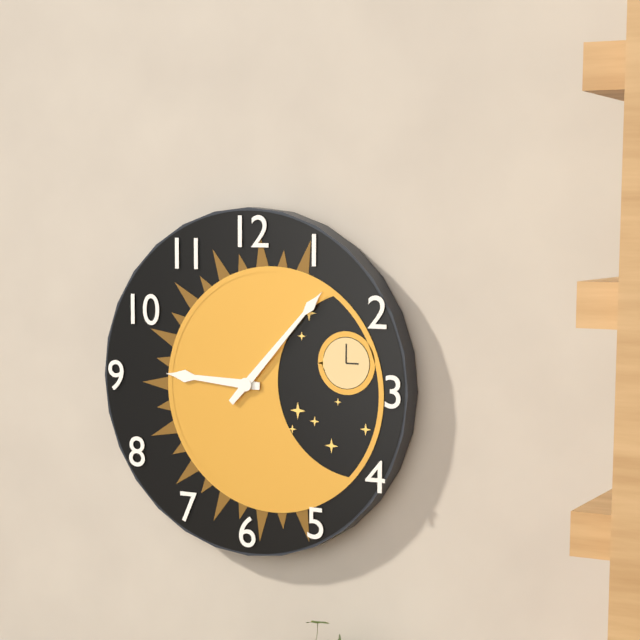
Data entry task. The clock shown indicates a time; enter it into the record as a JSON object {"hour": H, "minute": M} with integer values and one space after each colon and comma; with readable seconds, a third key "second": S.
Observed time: {"hour": 9, "minute": 7}
